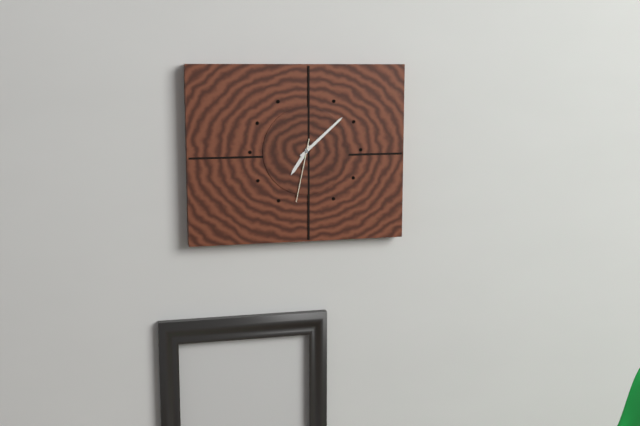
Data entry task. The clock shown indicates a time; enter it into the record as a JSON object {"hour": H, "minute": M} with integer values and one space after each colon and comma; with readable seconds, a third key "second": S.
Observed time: {"hour": 7, "minute": 8, "second": 32}
